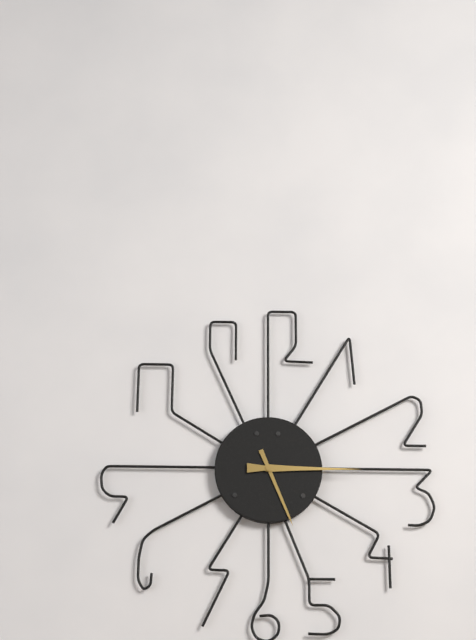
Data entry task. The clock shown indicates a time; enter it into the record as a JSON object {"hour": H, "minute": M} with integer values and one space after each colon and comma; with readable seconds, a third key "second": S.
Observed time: {"hour": 5, "minute": 15}
